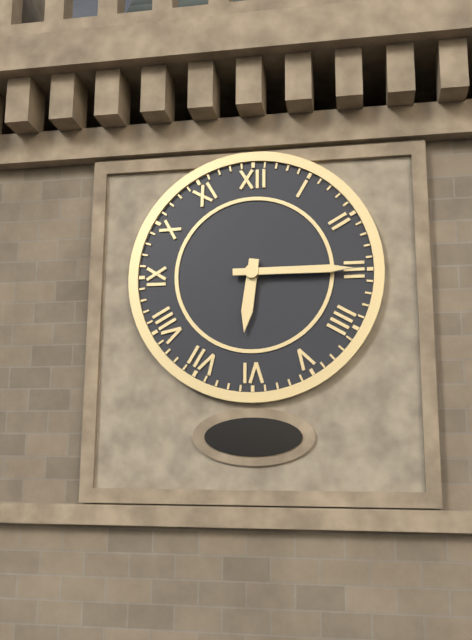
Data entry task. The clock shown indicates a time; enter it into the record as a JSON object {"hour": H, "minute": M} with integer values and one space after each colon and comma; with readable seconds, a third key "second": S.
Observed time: {"hour": 6, "minute": 15}
